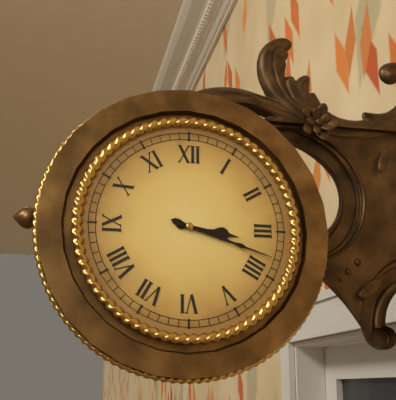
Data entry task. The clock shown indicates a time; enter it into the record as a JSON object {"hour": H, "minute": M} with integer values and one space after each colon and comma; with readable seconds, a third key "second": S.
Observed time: {"hour": 3, "minute": 18}
